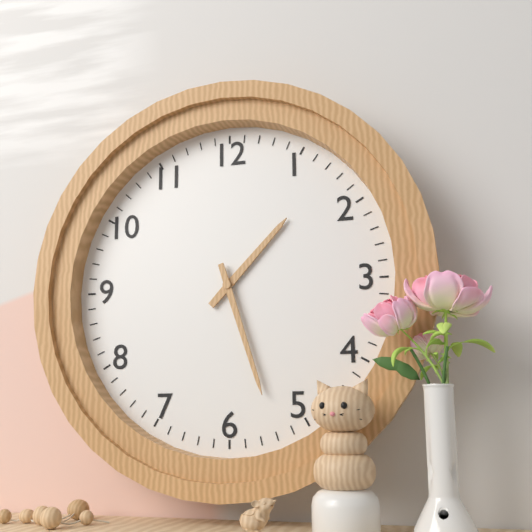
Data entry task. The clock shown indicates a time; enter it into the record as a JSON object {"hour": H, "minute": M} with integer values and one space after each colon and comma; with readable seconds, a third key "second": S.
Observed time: {"hour": 1, "minute": 27}
